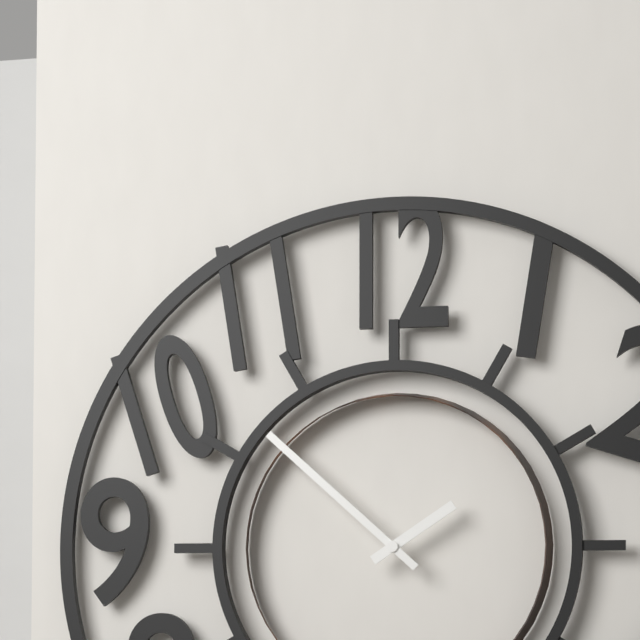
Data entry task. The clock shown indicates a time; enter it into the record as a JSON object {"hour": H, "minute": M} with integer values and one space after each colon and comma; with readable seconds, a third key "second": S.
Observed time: {"hour": 1, "minute": 52}
